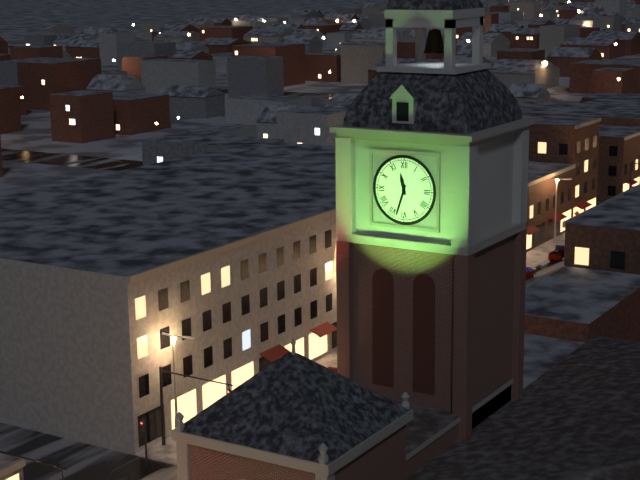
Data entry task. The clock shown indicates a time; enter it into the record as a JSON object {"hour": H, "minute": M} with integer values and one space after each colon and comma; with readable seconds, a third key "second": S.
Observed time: {"hour": 11, "minute": 33}
